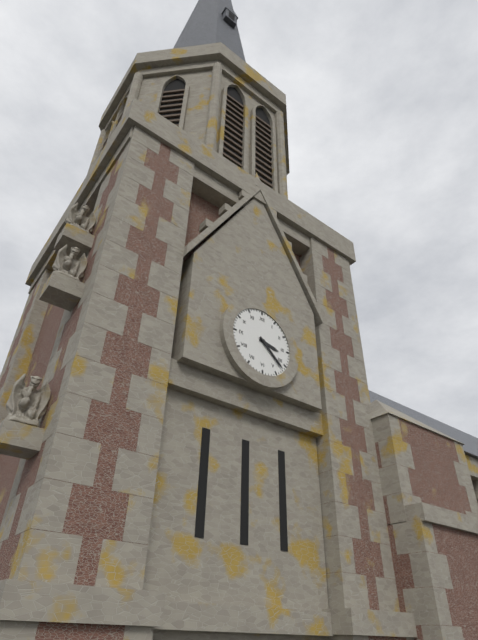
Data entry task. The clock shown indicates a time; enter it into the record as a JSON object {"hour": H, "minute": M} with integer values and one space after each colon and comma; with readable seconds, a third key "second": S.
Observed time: {"hour": 3, "minute": 22}
